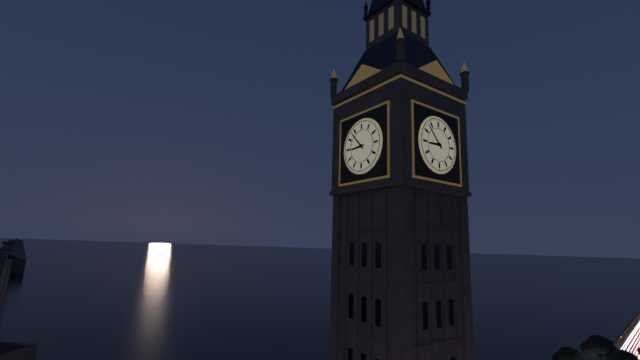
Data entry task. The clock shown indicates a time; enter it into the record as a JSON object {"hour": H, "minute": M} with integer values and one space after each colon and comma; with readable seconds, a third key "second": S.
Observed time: {"hour": 8, "minute": 53}
